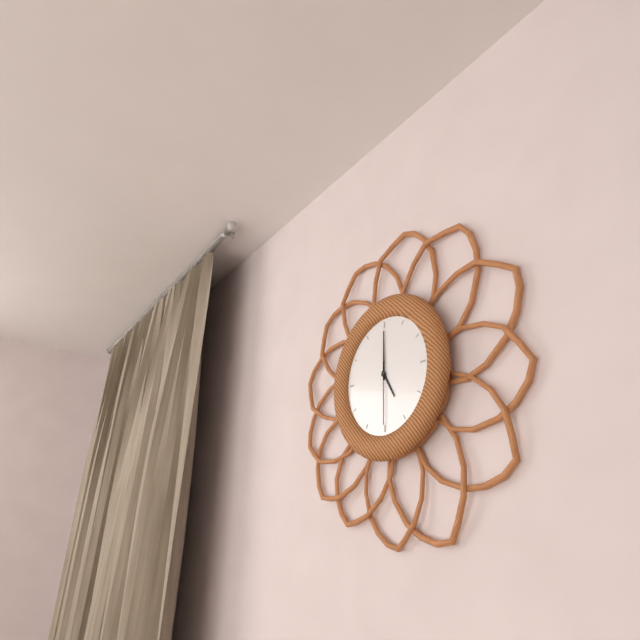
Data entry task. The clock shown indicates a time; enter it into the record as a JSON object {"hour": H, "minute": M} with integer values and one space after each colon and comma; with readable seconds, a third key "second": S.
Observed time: {"hour": 5, "minute": 0, "second": 30}
